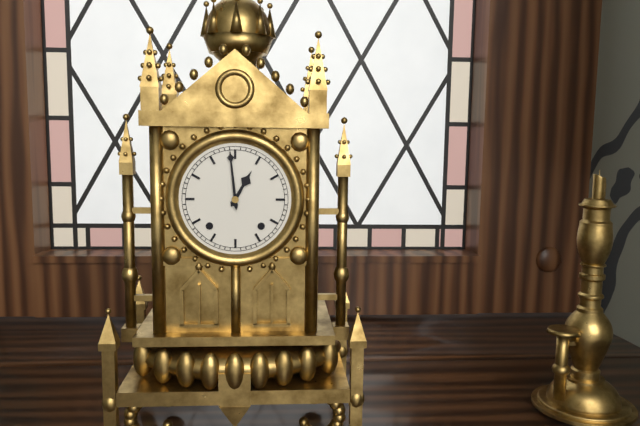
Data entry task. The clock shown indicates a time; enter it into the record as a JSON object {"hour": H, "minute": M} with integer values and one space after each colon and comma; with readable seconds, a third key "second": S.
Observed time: {"hour": 12, "minute": 59}
